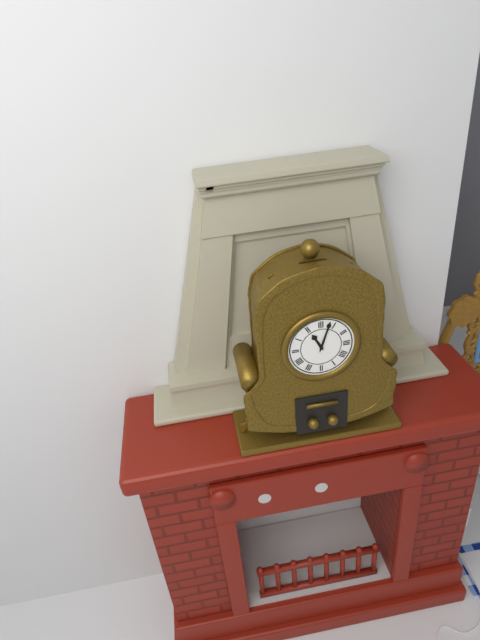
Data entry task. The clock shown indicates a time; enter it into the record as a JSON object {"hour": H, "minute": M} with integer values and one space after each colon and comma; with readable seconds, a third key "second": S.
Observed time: {"hour": 11, "minute": 3}
